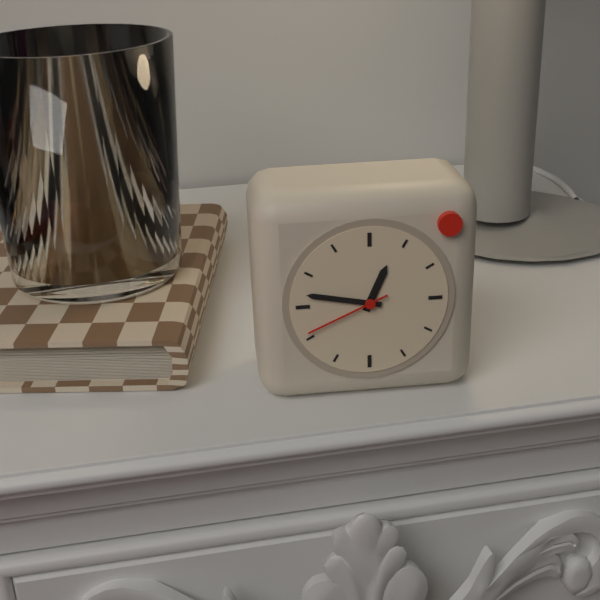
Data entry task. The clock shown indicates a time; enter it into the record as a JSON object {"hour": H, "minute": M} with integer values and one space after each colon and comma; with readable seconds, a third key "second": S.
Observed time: {"hour": 12, "minute": 47, "second": 41}
